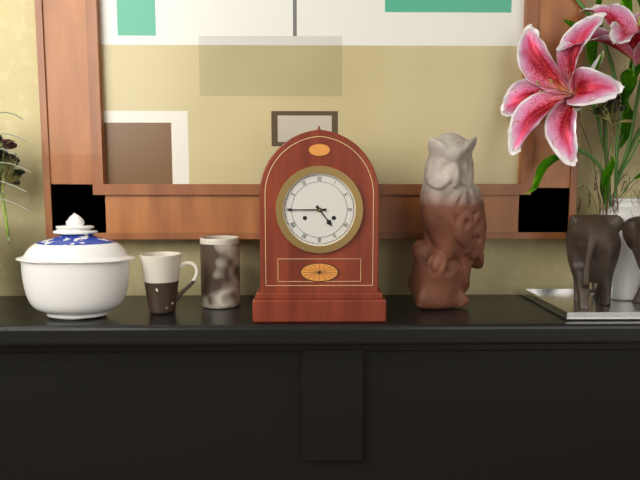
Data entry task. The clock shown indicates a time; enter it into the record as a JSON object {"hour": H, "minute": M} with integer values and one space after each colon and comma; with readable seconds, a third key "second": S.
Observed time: {"hour": 4, "minute": 45}
